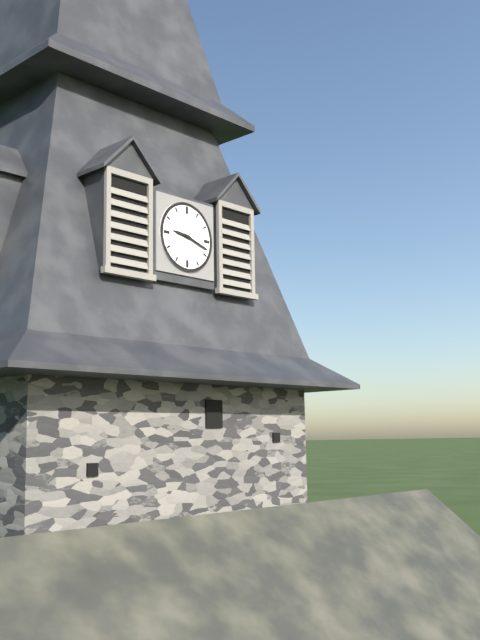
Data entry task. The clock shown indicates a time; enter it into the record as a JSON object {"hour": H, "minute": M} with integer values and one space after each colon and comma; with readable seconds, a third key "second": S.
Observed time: {"hour": 9, "minute": 18}
